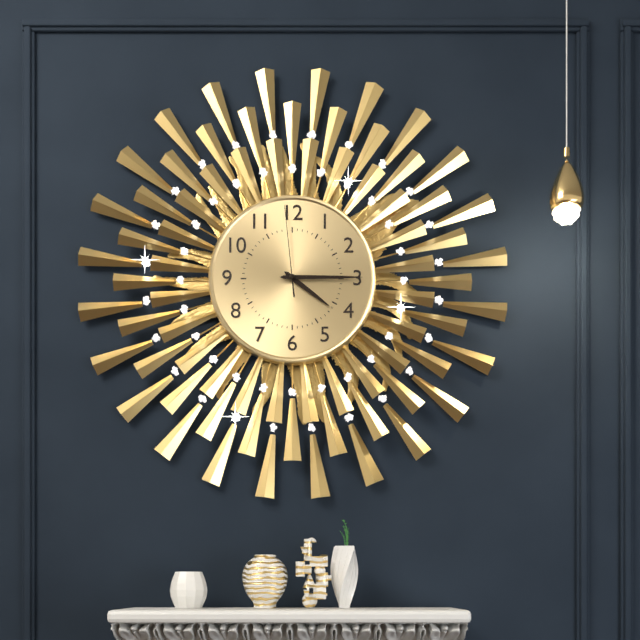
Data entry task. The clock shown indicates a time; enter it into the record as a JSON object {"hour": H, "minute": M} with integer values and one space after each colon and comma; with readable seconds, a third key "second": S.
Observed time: {"hour": 4, "minute": 15, "second": 59}
